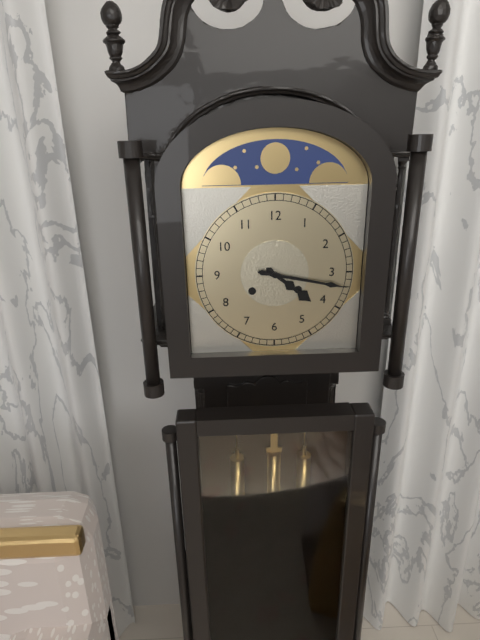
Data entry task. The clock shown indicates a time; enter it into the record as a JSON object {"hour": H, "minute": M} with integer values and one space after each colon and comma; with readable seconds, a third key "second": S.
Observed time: {"hour": 4, "minute": 17}
